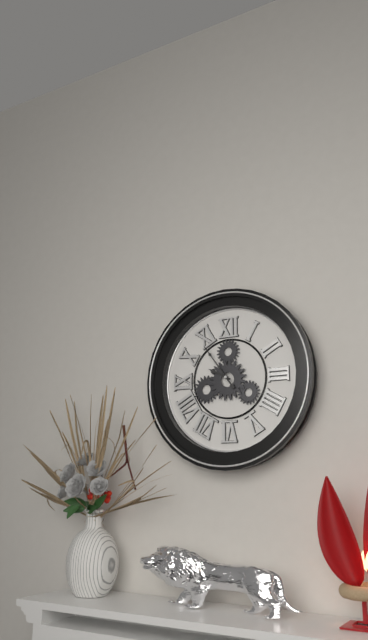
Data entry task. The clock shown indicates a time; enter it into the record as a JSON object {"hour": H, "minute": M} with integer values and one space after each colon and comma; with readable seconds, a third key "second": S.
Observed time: {"hour": 9, "minute": 54}
